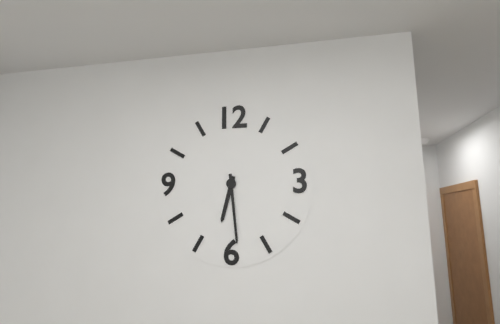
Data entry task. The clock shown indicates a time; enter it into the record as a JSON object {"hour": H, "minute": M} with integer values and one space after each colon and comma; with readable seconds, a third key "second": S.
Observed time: {"hour": 6, "minute": 29}
